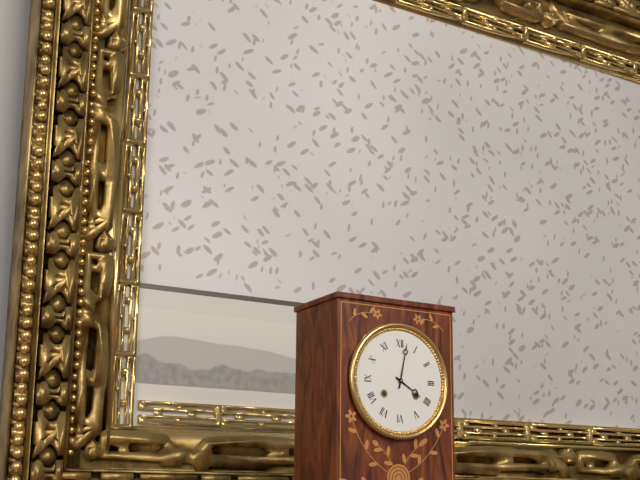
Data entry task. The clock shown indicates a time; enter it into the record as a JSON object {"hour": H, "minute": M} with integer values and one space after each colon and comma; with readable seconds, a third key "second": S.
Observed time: {"hour": 4, "minute": 2}
